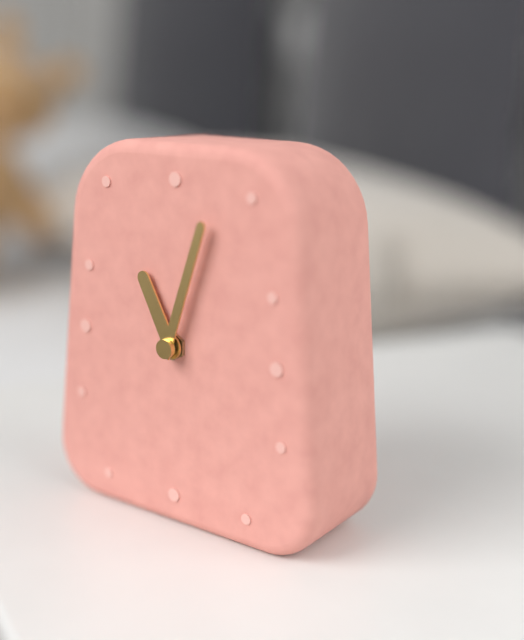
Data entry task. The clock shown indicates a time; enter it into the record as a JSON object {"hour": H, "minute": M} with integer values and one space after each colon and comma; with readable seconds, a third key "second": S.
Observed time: {"hour": 11, "minute": 3}
